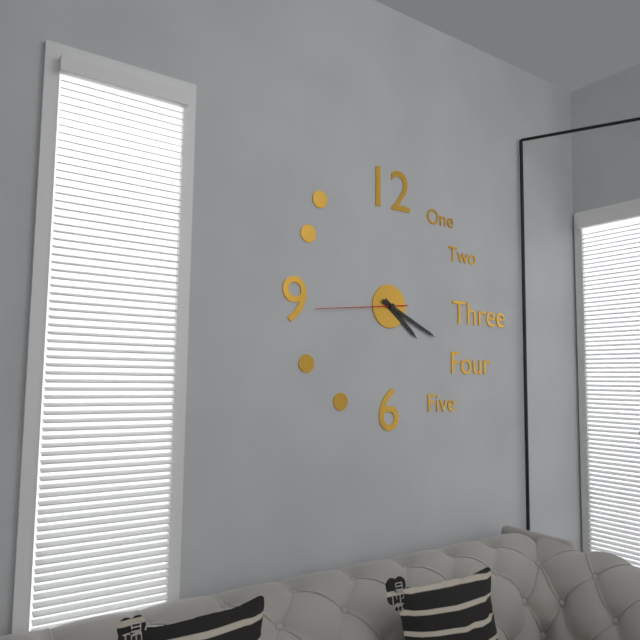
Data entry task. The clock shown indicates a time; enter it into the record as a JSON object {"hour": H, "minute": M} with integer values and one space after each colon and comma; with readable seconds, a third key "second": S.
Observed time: {"hour": 4, "minute": 19, "second": 44}
